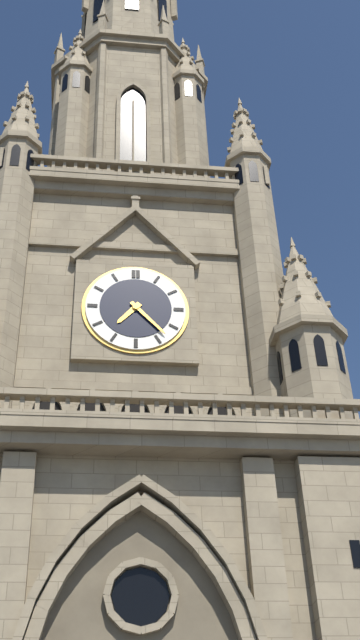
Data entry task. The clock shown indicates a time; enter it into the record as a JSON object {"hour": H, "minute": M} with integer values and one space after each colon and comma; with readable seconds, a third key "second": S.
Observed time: {"hour": 7, "minute": 23}
